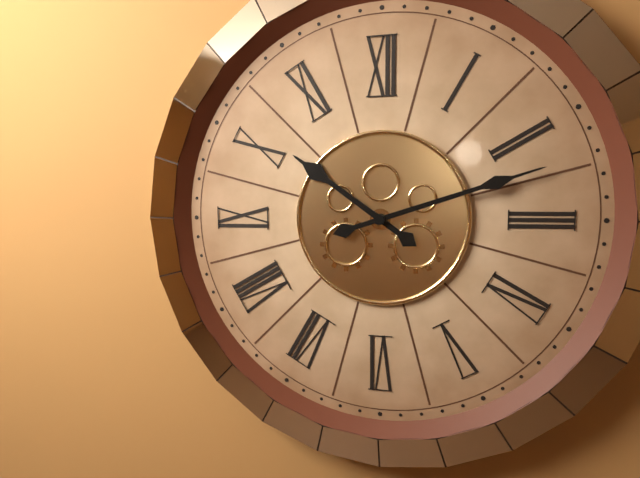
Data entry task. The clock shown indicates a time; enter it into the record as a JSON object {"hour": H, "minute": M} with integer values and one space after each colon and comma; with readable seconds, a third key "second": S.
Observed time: {"hour": 10, "minute": 12}
